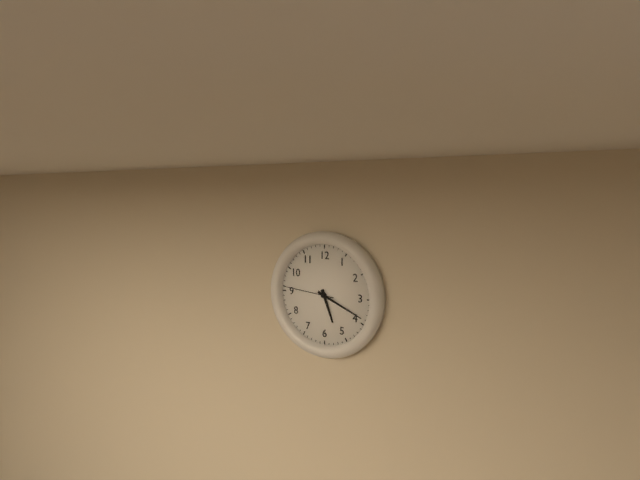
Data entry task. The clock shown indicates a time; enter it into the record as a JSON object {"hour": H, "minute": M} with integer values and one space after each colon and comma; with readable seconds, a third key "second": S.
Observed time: {"hour": 5, "minute": 19, "second": 46}
